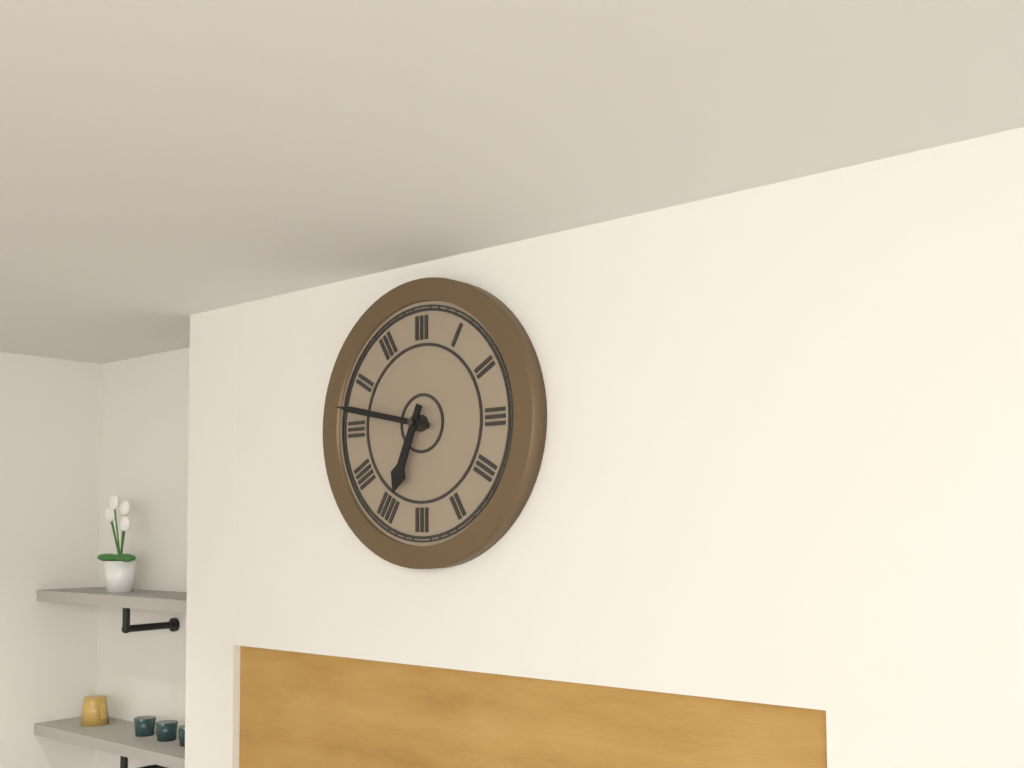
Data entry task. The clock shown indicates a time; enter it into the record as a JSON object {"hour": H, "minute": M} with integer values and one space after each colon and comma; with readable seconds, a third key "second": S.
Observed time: {"hour": 6, "minute": 47}
